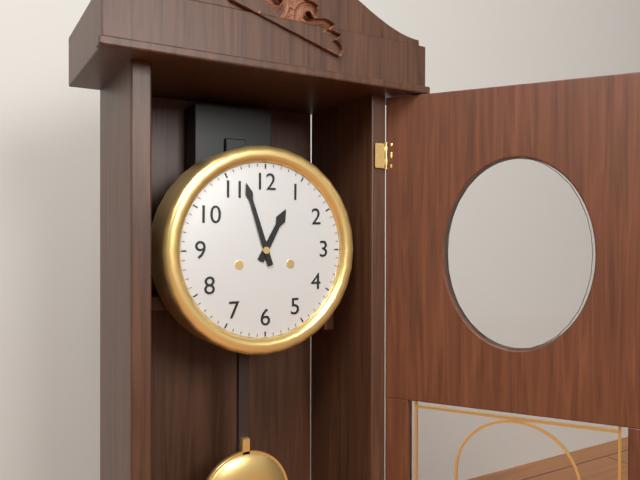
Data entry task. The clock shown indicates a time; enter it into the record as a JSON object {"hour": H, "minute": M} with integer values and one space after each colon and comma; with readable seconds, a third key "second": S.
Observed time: {"hour": 12, "minute": 57}
